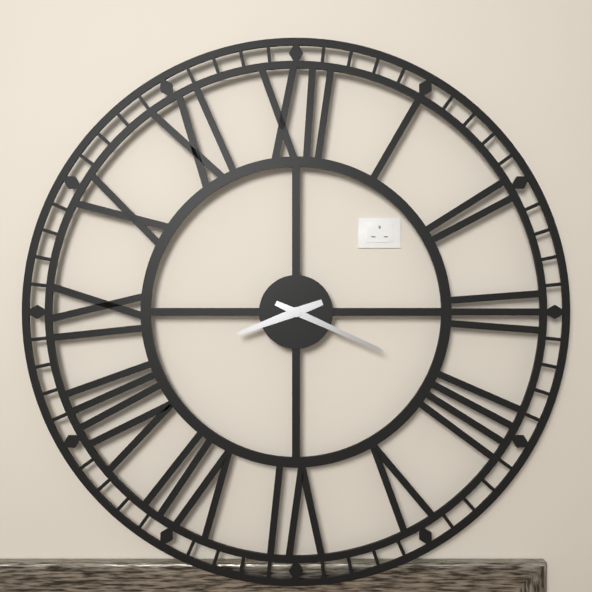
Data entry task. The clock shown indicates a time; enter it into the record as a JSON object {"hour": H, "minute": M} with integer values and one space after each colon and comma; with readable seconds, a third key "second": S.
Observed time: {"hour": 8, "minute": 19}
